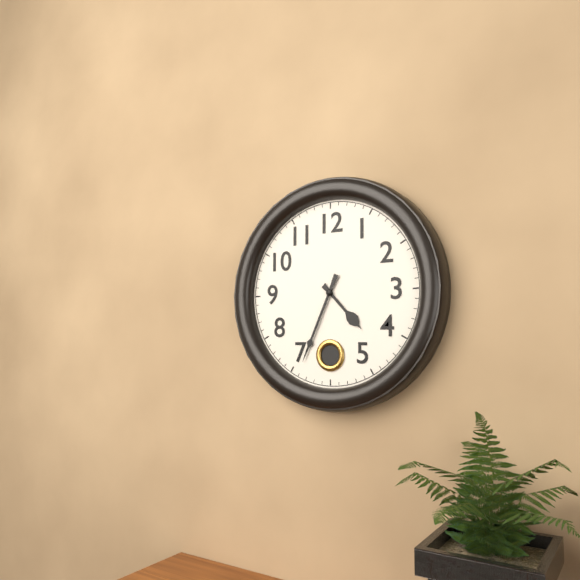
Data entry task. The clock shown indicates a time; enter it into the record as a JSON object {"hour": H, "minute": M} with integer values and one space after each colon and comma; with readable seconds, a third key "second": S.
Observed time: {"hour": 4, "minute": 34}
